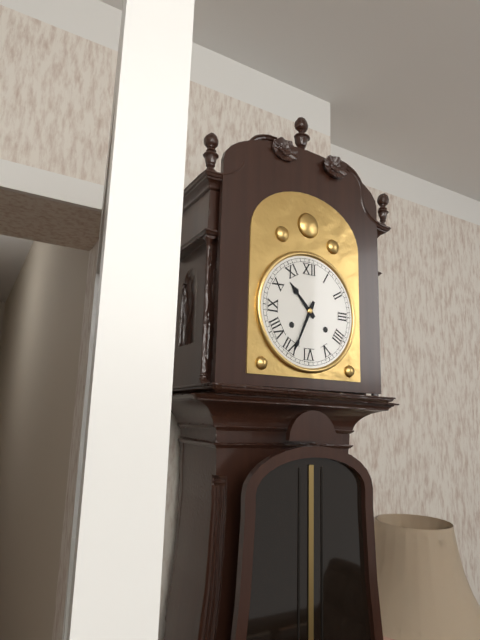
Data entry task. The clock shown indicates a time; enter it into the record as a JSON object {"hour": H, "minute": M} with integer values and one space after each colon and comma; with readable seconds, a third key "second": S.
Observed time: {"hour": 10, "minute": 34}
